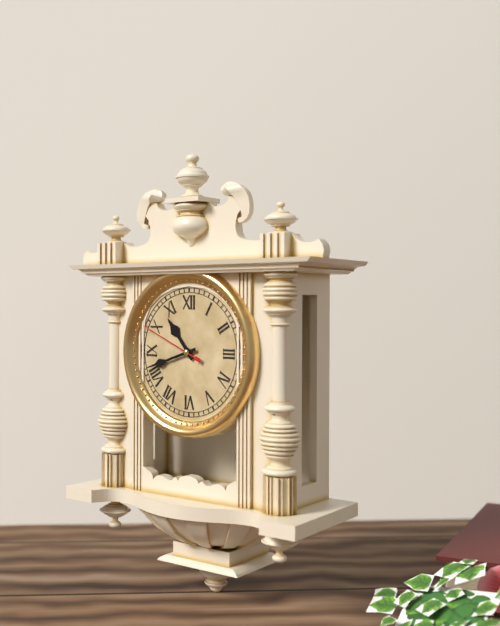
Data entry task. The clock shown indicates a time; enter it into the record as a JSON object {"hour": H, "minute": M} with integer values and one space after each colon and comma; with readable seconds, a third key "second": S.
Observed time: {"hour": 10, "minute": 42, "second": 49}
